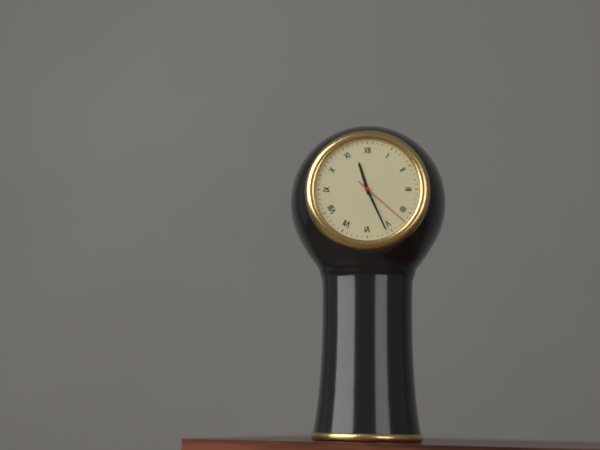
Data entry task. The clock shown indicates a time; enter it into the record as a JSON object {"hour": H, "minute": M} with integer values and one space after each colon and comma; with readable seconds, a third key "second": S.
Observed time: {"hour": 11, "minute": 26, "second": 22}
